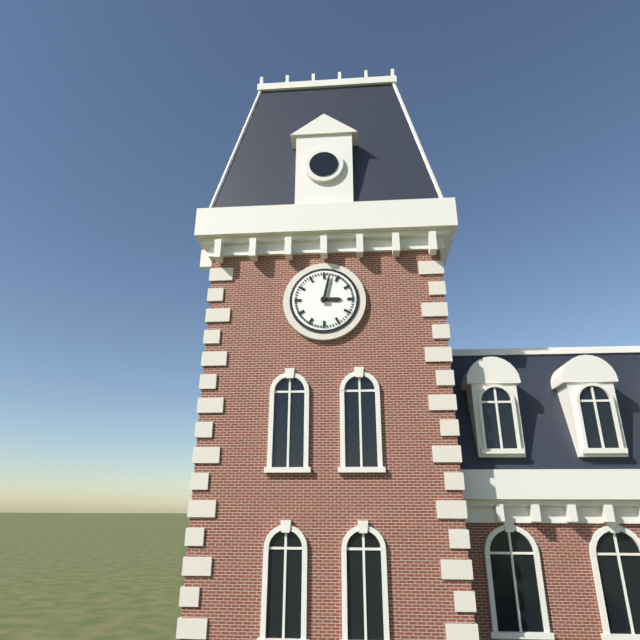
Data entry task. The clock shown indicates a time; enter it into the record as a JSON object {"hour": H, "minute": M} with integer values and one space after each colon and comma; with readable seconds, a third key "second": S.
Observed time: {"hour": 3, "minute": 2}
